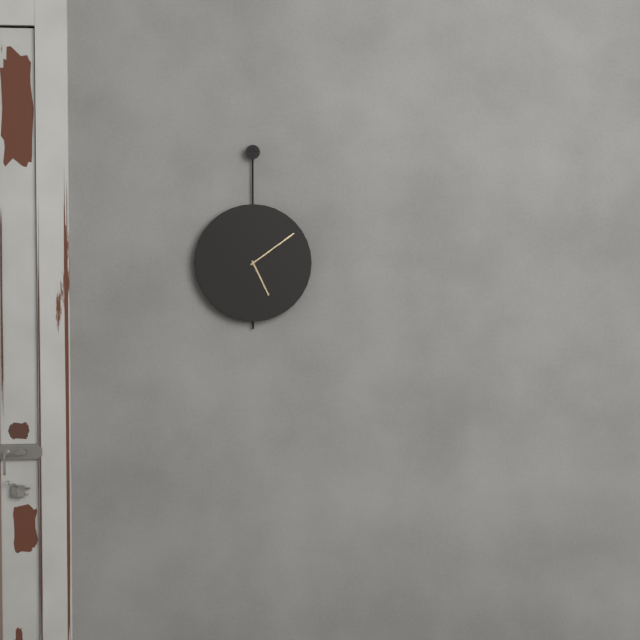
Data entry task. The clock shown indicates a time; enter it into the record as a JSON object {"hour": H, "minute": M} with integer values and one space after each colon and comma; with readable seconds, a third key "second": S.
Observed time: {"hour": 5, "minute": 9}
